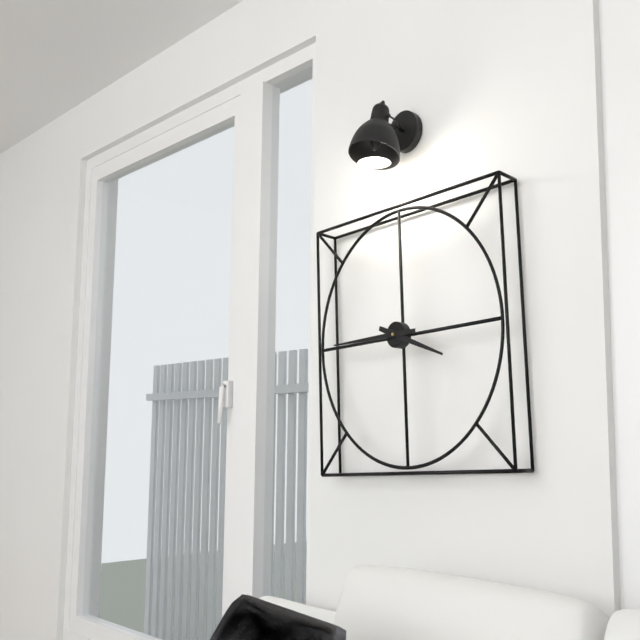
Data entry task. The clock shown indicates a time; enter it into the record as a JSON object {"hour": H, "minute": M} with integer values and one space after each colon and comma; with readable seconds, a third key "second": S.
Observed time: {"hour": 3, "minute": 45}
